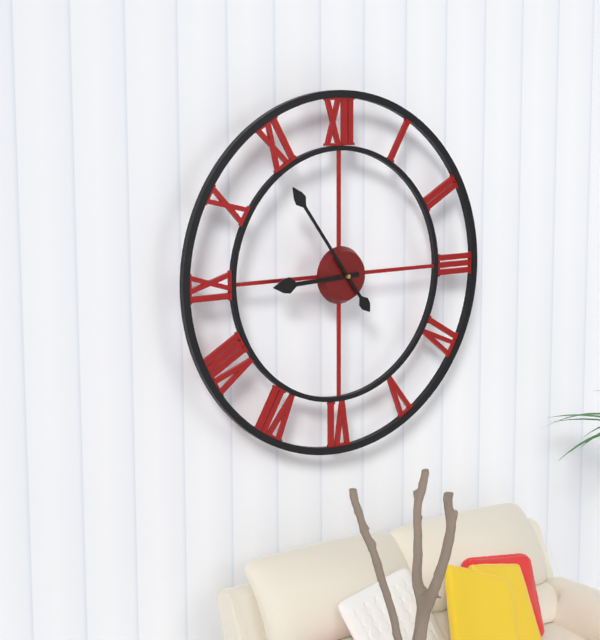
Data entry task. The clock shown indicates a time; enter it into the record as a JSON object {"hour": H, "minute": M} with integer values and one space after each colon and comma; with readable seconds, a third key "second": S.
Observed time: {"hour": 8, "minute": 54}
